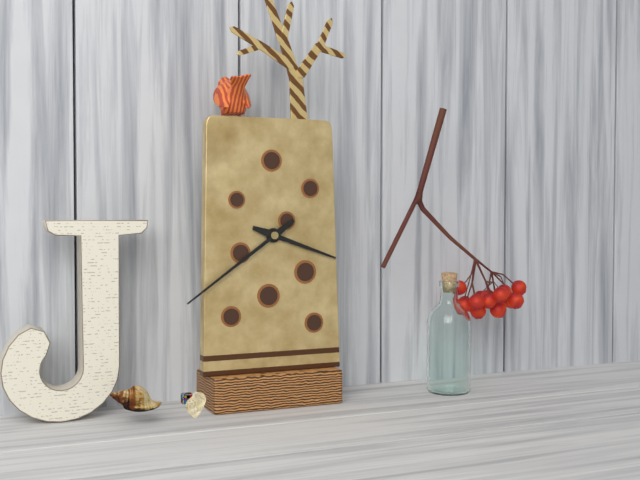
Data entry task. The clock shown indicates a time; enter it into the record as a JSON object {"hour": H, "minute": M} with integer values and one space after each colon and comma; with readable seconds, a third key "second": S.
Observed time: {"hour": 3, "minute": 39}
